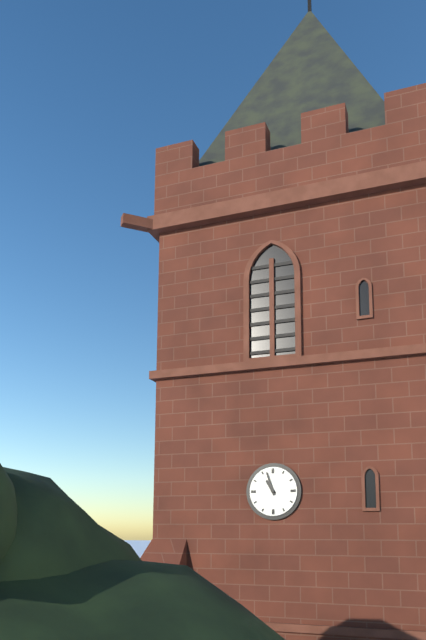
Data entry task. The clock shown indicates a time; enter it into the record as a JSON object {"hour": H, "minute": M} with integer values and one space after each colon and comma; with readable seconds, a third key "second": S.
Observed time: {"hour": 10, "minute": 57}
